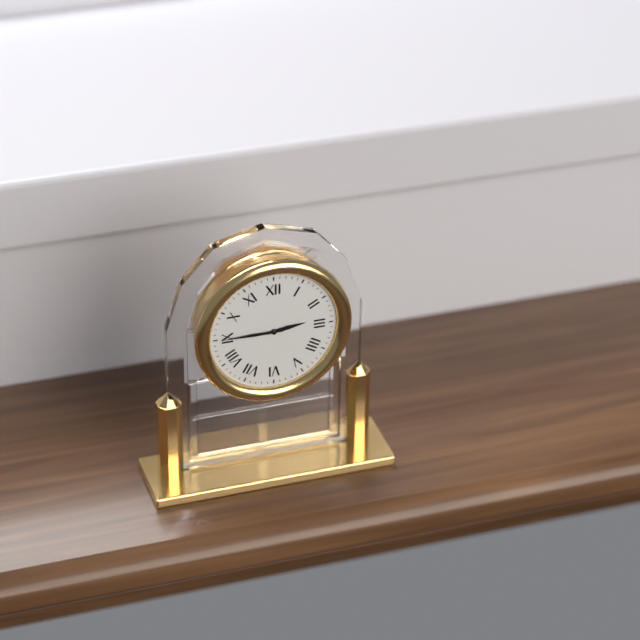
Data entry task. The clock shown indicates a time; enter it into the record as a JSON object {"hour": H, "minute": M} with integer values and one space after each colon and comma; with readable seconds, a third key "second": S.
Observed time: {"hour": 2, "minute": 45}
